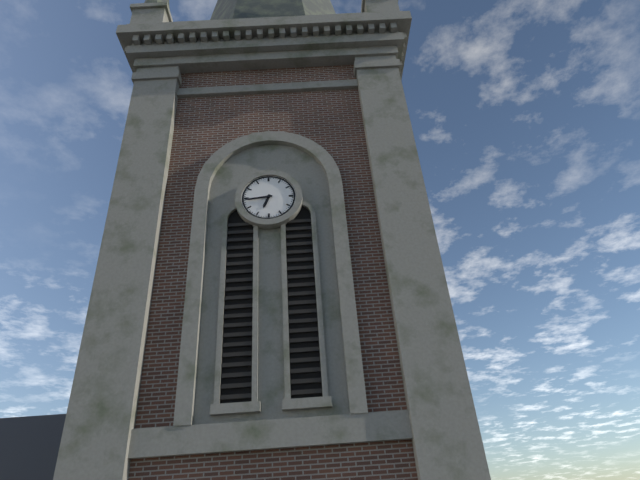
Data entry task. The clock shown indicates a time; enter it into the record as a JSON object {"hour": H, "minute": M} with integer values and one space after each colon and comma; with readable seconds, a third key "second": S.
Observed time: {"hour": 6, "minute": 44}
